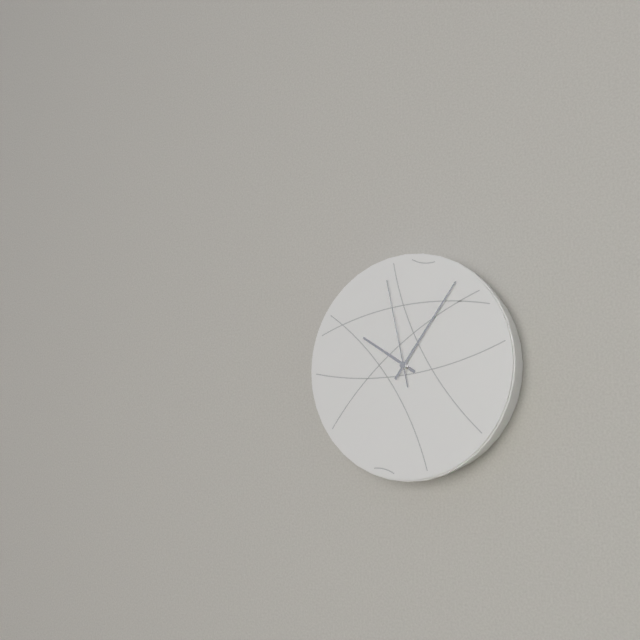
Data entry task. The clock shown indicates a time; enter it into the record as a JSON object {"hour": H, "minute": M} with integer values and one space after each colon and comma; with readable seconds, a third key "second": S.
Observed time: {"hour": 10, "minute": 6, "second": 58}
